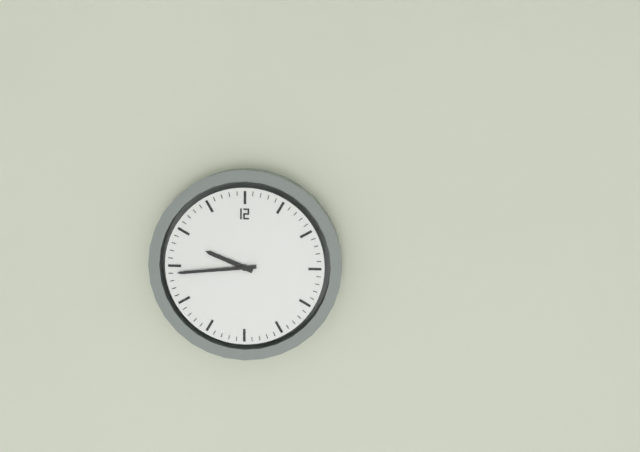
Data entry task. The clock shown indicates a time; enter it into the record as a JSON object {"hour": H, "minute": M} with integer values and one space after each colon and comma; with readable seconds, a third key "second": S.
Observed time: {"hour": 9, "minute": 44}
